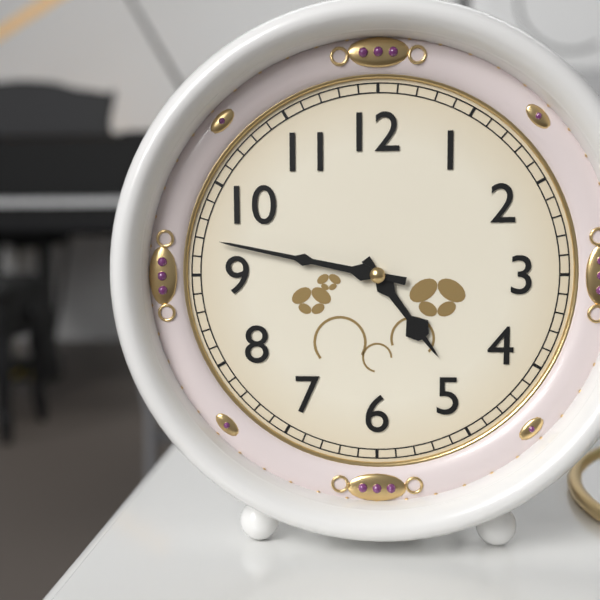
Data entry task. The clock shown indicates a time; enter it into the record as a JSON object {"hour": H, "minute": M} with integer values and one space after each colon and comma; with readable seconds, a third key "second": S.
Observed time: {"hour": 4, "minute": 47}
